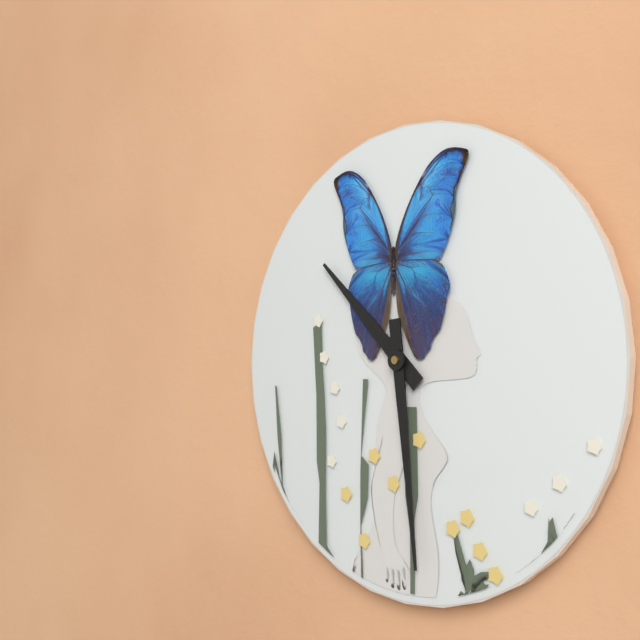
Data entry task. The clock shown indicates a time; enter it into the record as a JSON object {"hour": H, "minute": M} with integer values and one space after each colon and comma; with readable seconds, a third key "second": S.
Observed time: {"hour": 10, "minute": 29}
